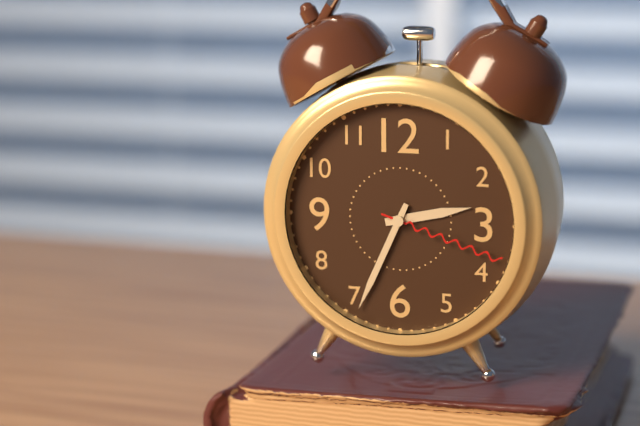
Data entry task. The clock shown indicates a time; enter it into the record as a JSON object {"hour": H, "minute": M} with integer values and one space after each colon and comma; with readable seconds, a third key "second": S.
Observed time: {"hour": 2, "minute": 34, "second": 18}
